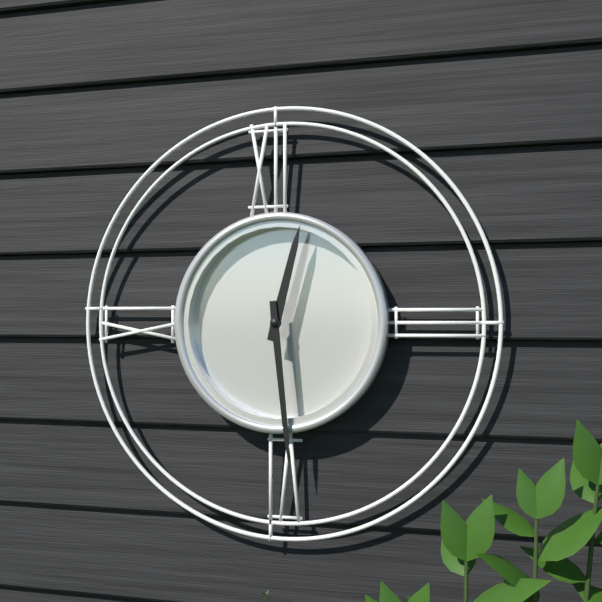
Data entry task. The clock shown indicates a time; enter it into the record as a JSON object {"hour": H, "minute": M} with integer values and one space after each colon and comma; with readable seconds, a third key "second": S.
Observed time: {"hour": 12, "minute": 29}
